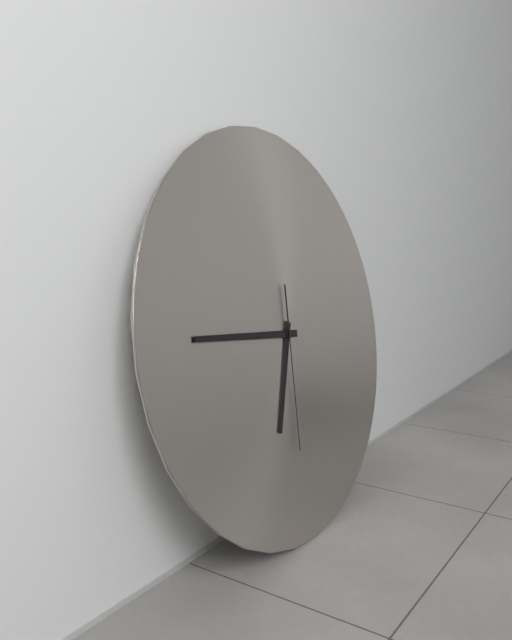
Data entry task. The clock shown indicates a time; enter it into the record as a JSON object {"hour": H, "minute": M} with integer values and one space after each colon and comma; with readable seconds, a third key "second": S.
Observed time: {"hour": 6, "minute": 46, "second": 31}
